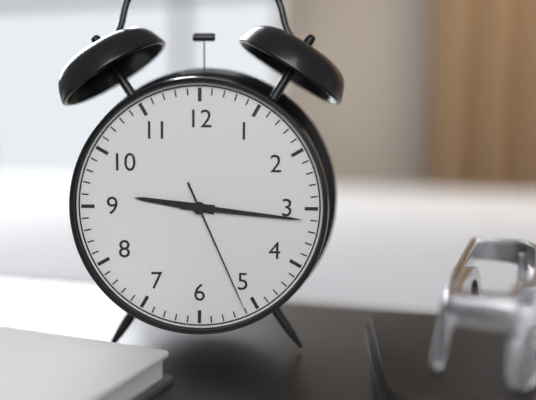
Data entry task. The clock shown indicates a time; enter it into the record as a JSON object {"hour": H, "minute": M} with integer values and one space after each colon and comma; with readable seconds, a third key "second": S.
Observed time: {"hour": 9, "minute": 16, "second": 26}
